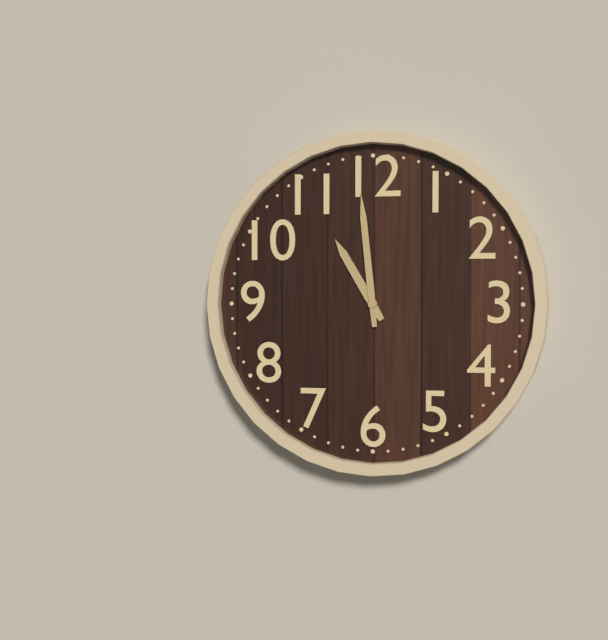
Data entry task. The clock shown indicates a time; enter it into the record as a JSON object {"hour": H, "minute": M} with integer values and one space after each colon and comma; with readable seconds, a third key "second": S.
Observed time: {"hour": 10, "minute": 59}
